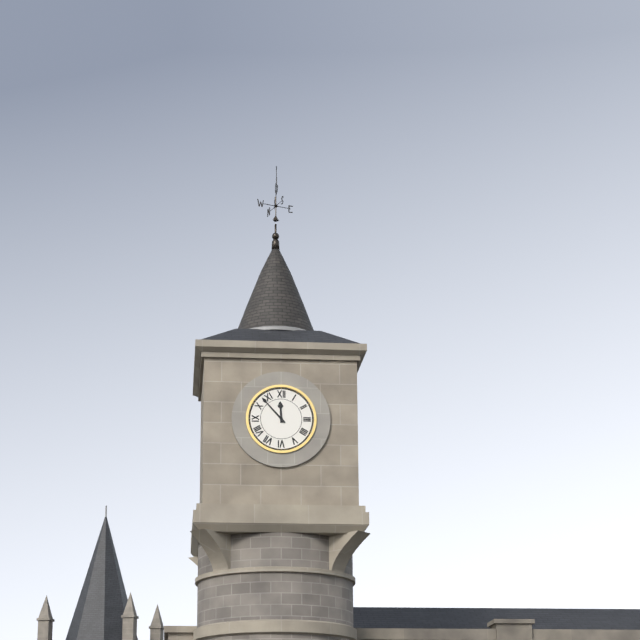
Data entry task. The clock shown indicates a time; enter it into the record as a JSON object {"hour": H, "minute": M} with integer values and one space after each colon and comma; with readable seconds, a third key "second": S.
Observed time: {"hour": 11, "minute": 53}
